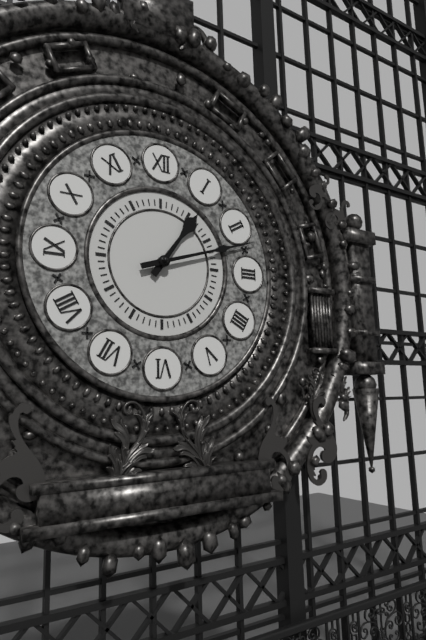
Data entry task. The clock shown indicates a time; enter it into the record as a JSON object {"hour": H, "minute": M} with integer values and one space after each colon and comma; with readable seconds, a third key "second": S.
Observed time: {"hour": 1, "minute": 12}
